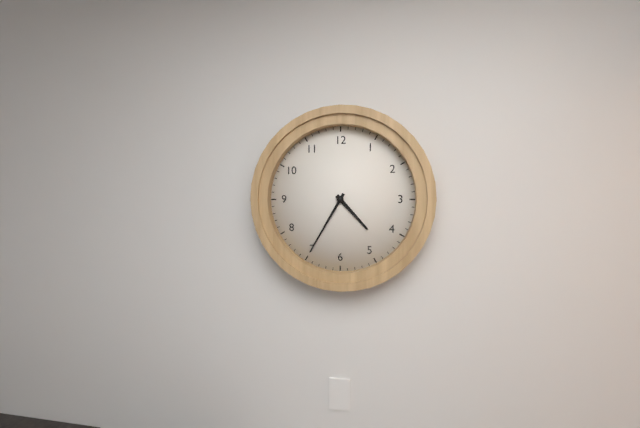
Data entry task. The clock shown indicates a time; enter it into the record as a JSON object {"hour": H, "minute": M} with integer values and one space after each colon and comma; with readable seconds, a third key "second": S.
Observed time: {"hour": 4, "minute": 35}
